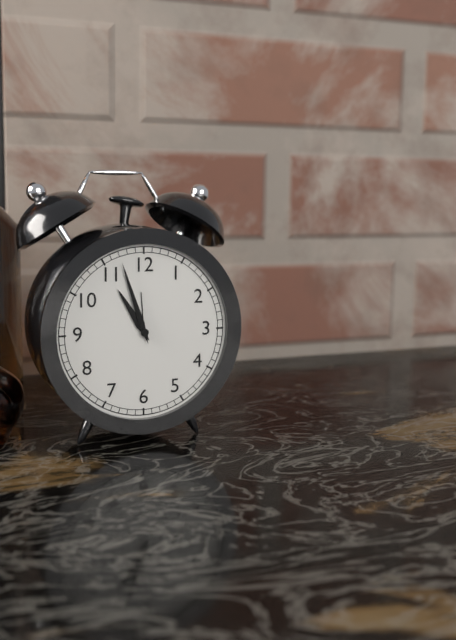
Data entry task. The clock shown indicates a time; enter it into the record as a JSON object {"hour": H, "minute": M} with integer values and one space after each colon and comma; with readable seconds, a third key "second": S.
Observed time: {"hour": 10, "minute": 57}
